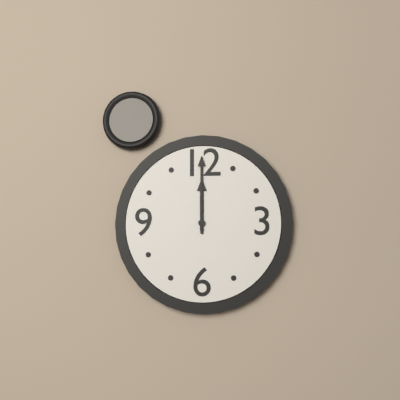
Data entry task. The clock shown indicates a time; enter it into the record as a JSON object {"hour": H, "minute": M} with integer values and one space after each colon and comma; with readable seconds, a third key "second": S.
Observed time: {"hour": 12, "minute": 0}
